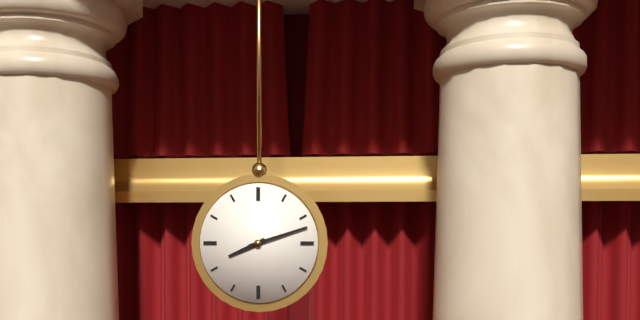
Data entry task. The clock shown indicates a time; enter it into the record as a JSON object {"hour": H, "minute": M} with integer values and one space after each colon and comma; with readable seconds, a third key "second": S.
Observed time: {"hour": 8, "minute": 12}
